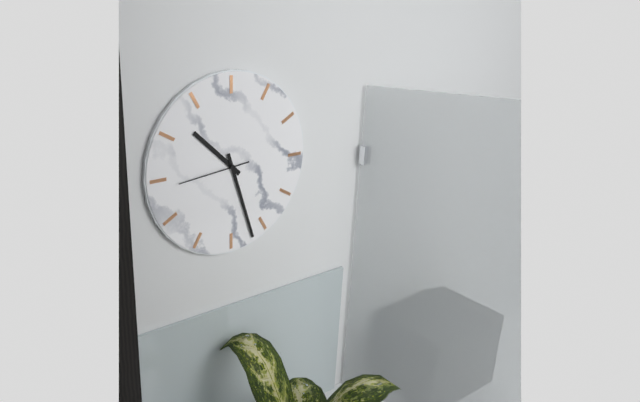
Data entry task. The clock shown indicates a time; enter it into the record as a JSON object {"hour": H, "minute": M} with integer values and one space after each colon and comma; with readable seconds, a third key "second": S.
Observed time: {"hour": 10, "minute": 27, "second": 44}
